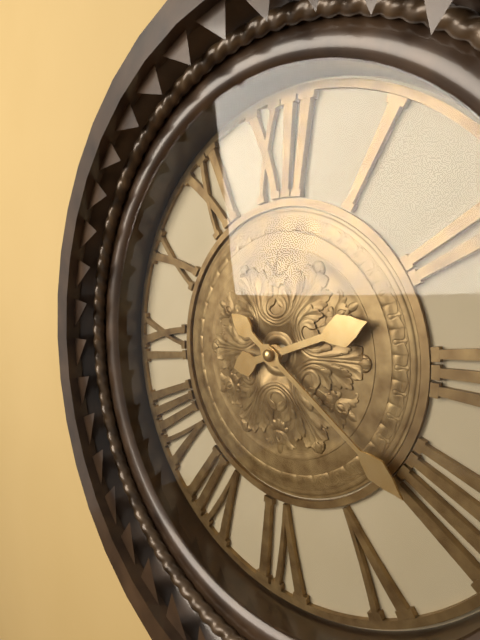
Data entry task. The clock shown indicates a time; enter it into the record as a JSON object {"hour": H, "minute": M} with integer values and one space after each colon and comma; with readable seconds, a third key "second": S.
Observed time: {"hour": 2, "minute": 21}
